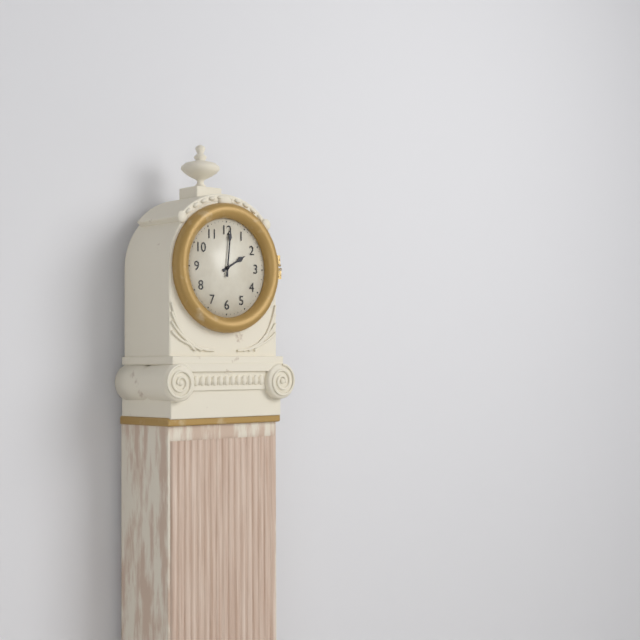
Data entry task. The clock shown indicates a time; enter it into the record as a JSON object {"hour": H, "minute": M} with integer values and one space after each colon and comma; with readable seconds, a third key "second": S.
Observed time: {"hour": 2, "minute": 1}
